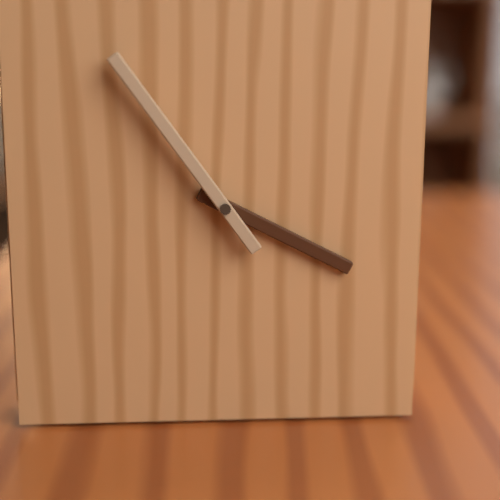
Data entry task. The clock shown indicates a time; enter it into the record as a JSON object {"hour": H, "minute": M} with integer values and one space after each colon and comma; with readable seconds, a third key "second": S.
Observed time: {"hour": 3, "minute": 54}
